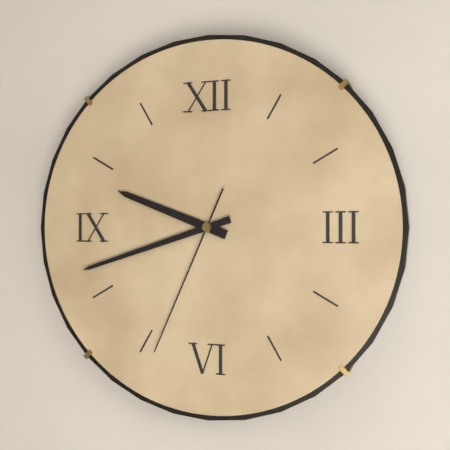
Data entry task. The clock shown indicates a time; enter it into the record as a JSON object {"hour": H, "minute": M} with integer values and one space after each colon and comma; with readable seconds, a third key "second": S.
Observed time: {"hour": 9, "minute": 42, "second": 34}
